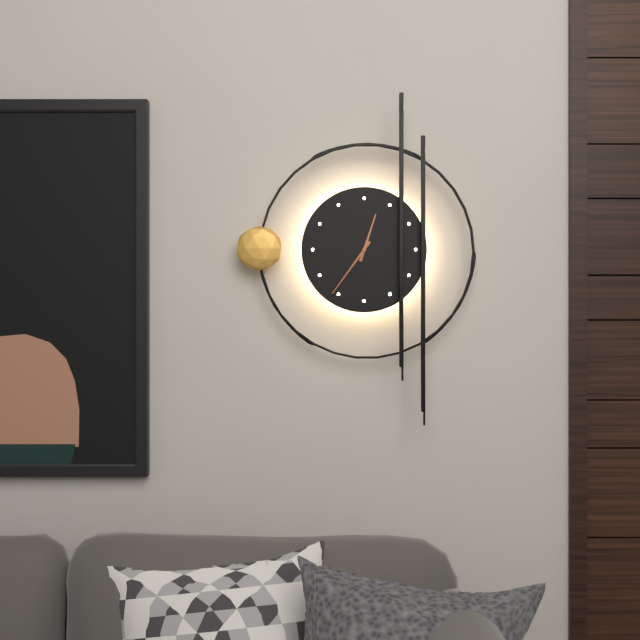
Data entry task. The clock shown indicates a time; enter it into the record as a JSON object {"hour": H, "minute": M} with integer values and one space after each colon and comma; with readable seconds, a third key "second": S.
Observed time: {"hour": 12, "minute": 36}
